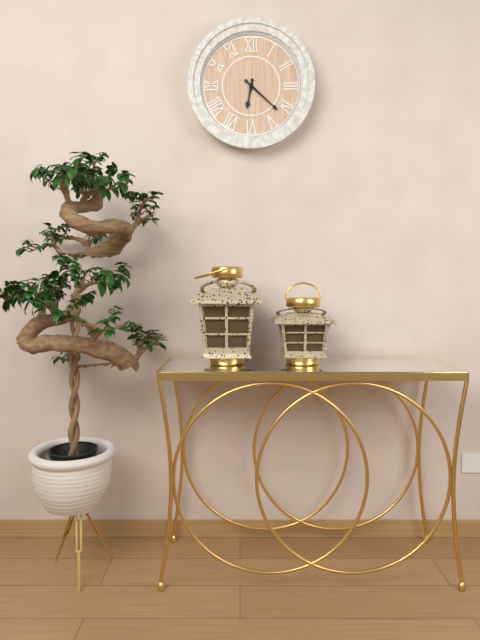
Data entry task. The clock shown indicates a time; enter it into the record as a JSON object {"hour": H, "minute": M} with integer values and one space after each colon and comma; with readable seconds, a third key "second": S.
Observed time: {"hour": 6, "minute": 22}
